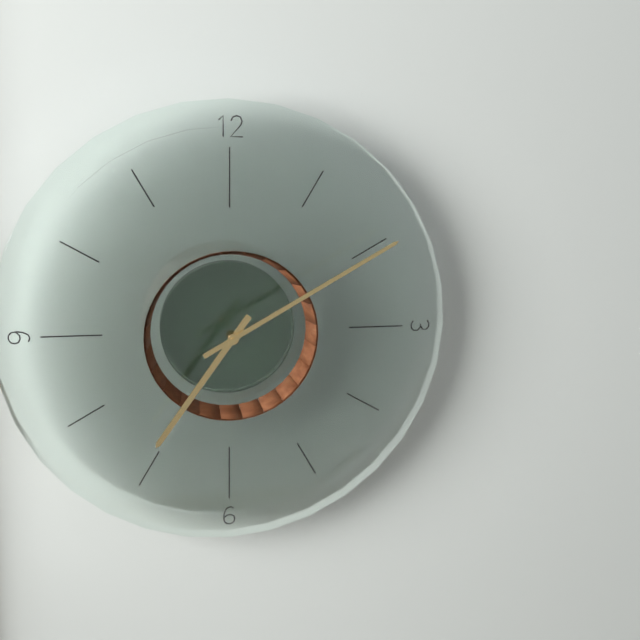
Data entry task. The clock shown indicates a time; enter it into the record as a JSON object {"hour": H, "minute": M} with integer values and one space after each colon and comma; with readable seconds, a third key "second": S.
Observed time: {"hour": 7, "minute": 10}
